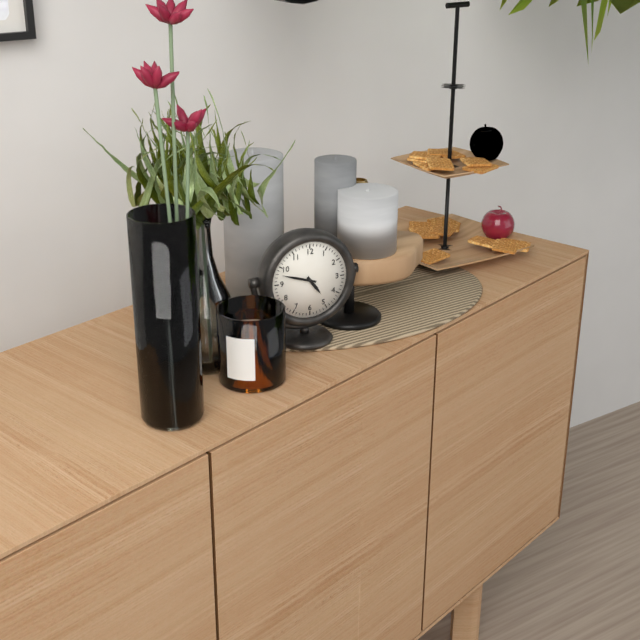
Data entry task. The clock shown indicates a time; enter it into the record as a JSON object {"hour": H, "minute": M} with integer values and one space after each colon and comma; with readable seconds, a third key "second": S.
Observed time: {"hour": 4, "minute": 48}
